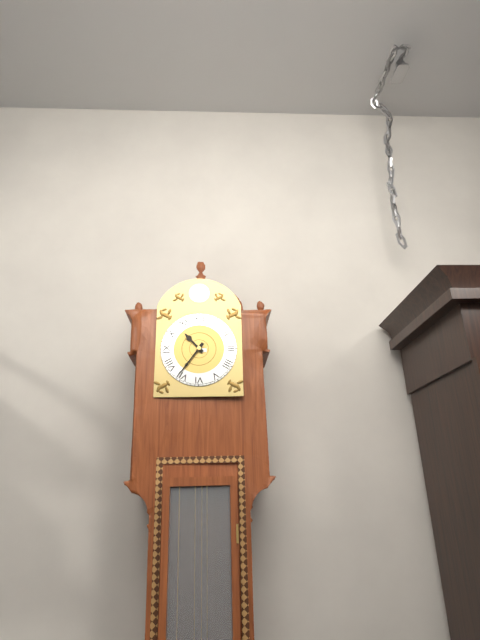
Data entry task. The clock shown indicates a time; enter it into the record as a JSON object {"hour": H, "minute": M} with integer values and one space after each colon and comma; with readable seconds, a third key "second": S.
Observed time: {"hour": 10, "minute": 36}
